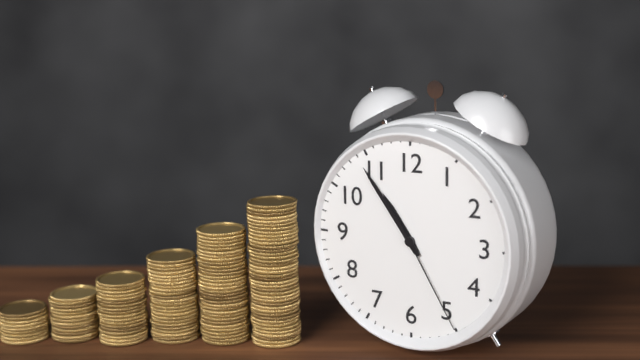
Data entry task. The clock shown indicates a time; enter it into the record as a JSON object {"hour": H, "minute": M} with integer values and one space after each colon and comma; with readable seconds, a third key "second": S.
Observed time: {"hour": 10, "minute": 54, "second": 25}
